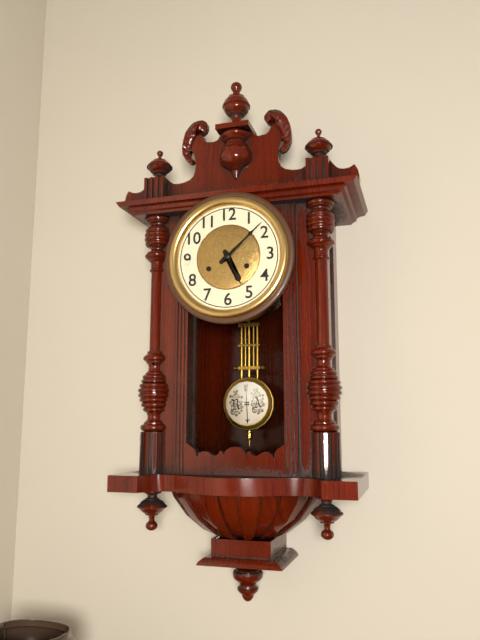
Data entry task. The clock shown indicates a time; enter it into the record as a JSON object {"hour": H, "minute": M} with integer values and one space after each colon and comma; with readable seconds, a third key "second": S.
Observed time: {"hour": 5, "minute": 8}
